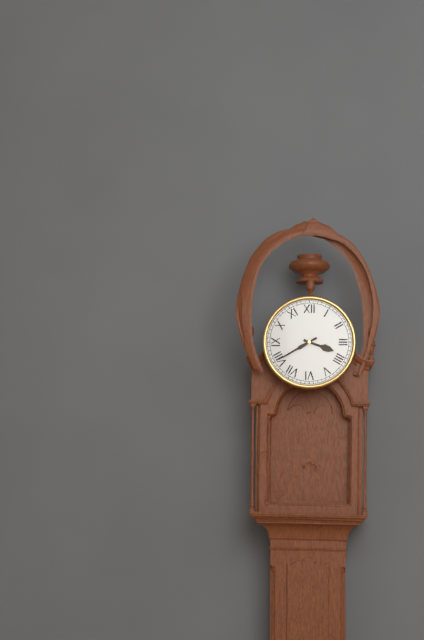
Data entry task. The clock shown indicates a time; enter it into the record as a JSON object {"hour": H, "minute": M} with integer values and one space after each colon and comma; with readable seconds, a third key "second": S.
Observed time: {"hour": 3, "minute": 40}
